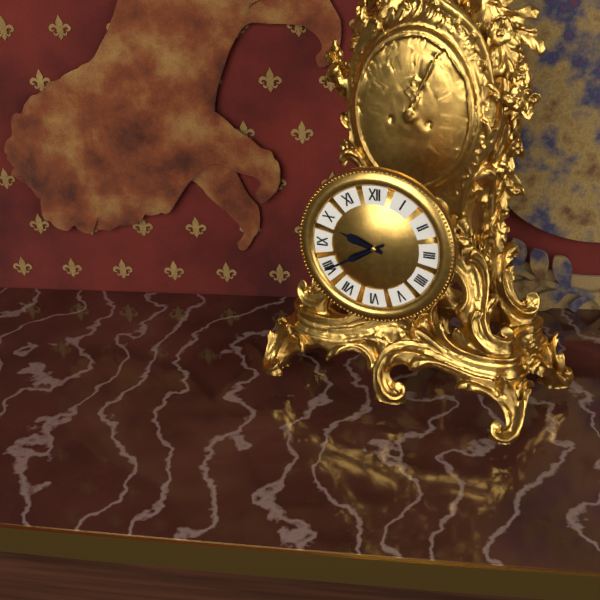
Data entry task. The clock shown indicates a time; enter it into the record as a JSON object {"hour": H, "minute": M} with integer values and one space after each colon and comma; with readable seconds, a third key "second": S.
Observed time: {"hour": 9, "minute": 40}
